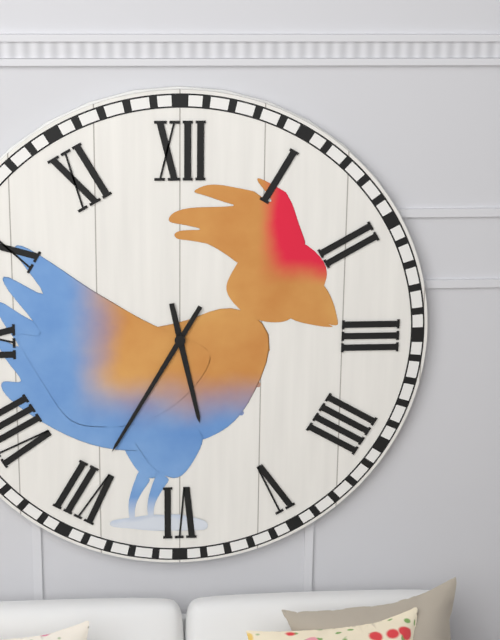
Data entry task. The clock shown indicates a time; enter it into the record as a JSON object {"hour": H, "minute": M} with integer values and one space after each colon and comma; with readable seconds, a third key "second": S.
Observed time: {"hour": 5, "minute": 35}
